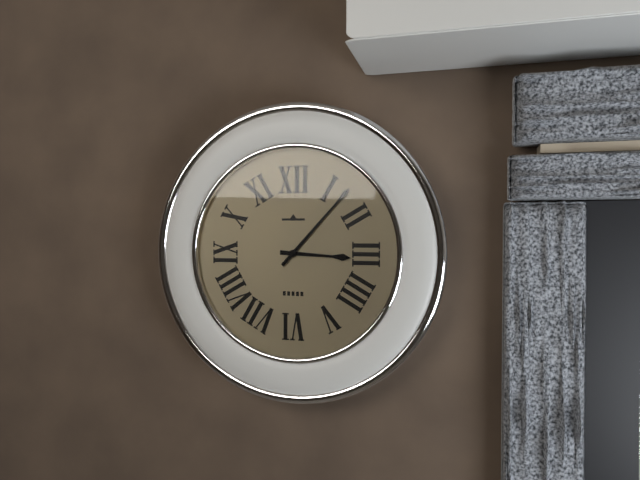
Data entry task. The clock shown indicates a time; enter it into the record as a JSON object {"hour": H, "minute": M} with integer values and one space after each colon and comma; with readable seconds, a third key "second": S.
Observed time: {"hour": 3, "minute": 7}
